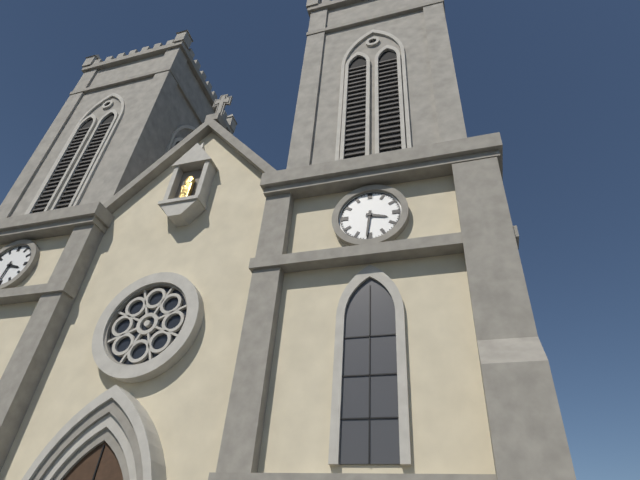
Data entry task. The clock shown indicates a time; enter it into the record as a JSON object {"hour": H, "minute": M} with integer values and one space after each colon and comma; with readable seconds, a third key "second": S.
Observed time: {"hour": 3, "minute": 31}
